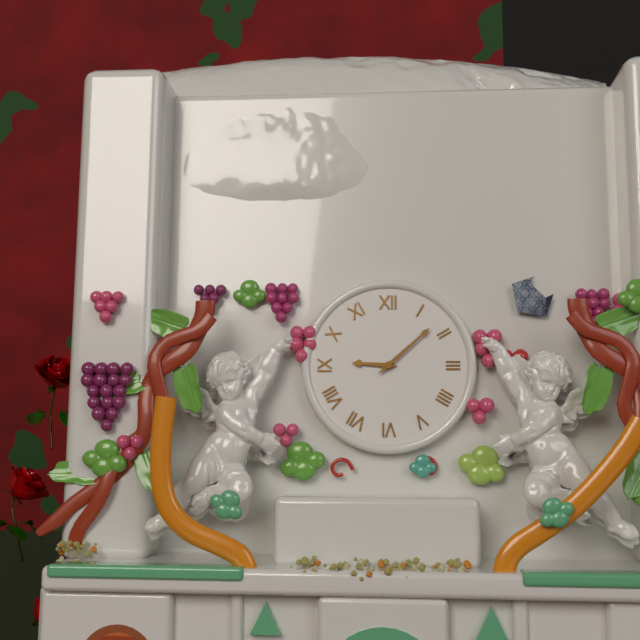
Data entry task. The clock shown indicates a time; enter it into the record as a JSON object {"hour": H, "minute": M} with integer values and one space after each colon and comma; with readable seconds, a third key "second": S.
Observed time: {"hour": 9, "minute": 8}
